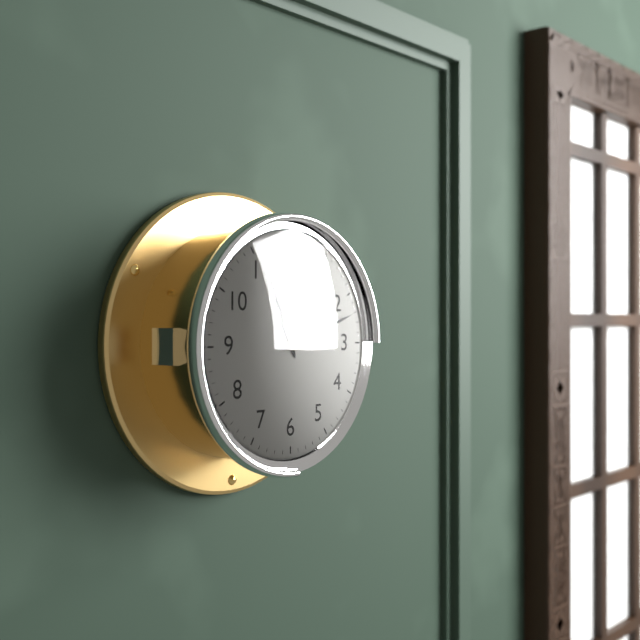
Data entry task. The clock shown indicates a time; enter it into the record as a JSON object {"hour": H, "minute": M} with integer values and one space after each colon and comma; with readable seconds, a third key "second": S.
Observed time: {"hour": 11, "minute": 12}
